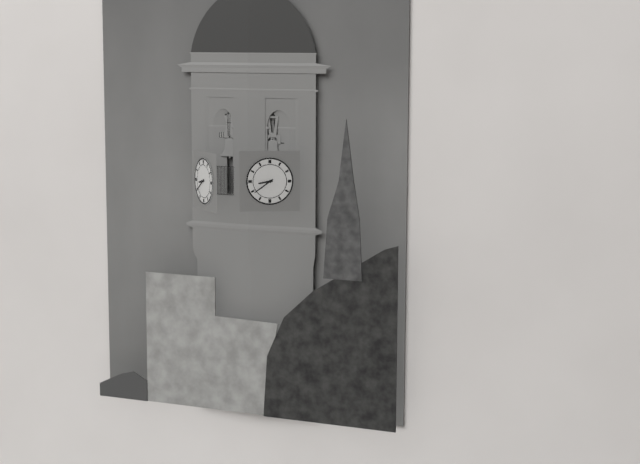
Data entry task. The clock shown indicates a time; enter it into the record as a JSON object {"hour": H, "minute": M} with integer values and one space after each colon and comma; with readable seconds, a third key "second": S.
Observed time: {"hour": 8, "minute": 39}
